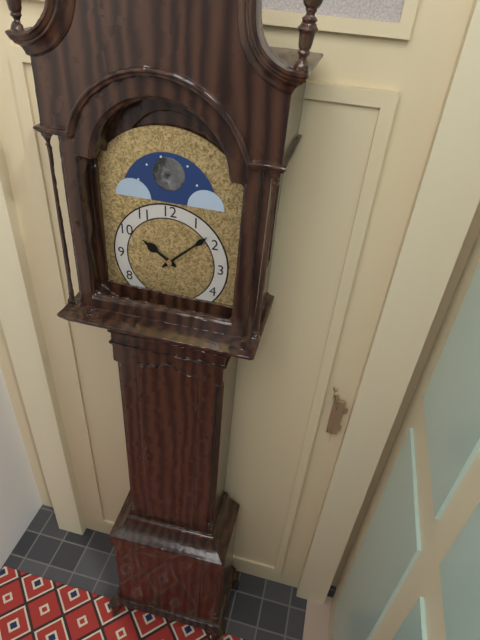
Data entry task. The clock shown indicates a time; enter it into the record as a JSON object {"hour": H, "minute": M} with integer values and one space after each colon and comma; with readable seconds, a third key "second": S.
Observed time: {"hour": 10, "minute": 8}
